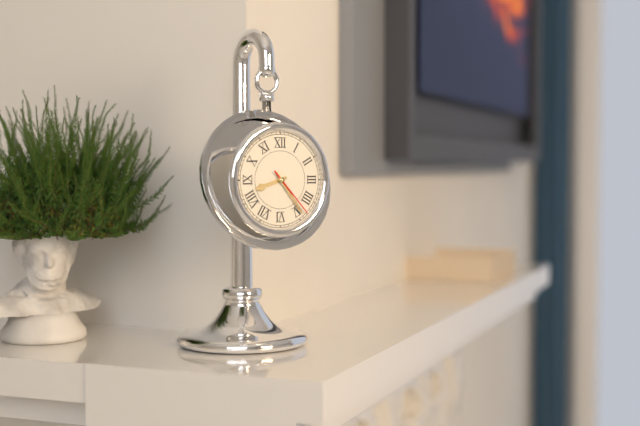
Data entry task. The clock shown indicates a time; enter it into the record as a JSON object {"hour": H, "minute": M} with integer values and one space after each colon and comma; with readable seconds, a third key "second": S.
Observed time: {"hour": 8, "minute": 24, "second": 23}
